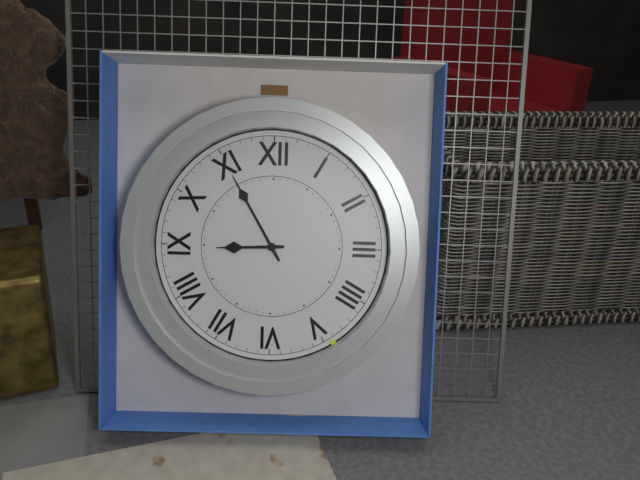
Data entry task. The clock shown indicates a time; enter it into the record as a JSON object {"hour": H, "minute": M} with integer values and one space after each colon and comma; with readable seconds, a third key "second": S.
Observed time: {"hour": 8, "minute": 55}
